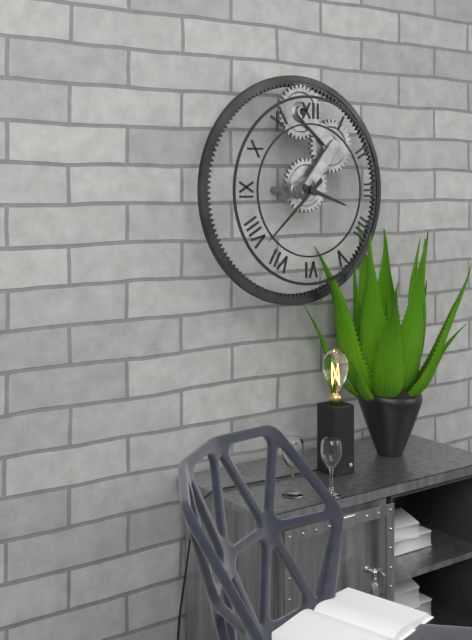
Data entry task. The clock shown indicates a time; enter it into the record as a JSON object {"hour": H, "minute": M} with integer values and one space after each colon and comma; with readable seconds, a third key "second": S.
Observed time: {"hour": 3, "minute": 38}
